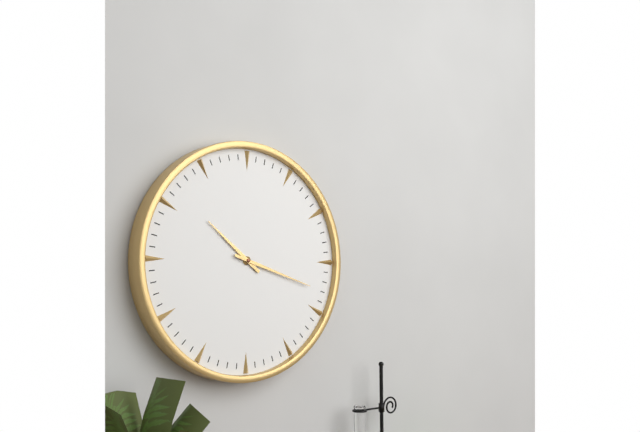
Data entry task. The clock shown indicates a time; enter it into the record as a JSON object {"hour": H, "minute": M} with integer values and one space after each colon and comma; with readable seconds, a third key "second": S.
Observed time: {"hour": 10, "minute": 18}
